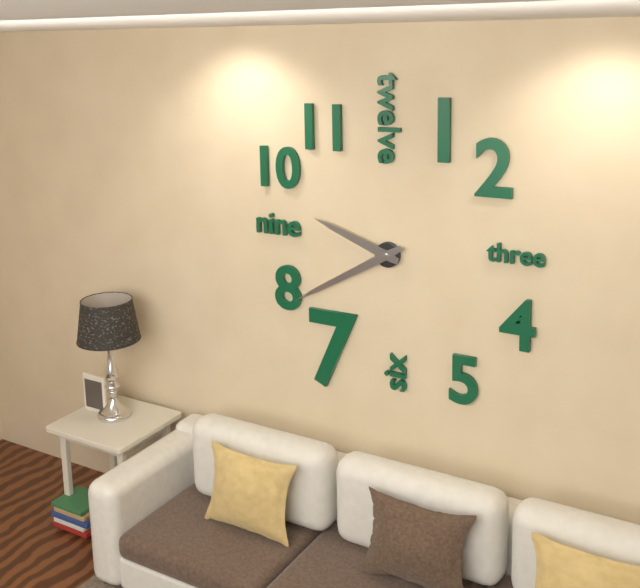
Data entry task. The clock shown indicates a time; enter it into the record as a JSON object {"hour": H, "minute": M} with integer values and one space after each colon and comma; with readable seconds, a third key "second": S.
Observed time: {"hour": 9, "minute": 40}
